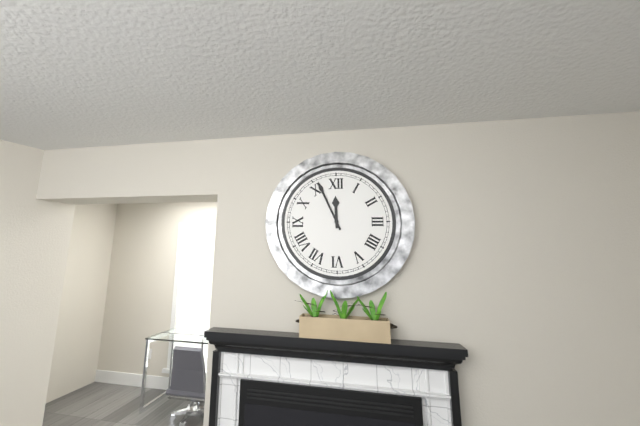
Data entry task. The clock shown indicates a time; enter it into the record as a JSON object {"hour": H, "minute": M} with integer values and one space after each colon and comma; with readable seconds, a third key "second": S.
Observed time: {"hour": 11, "minute": 56}
